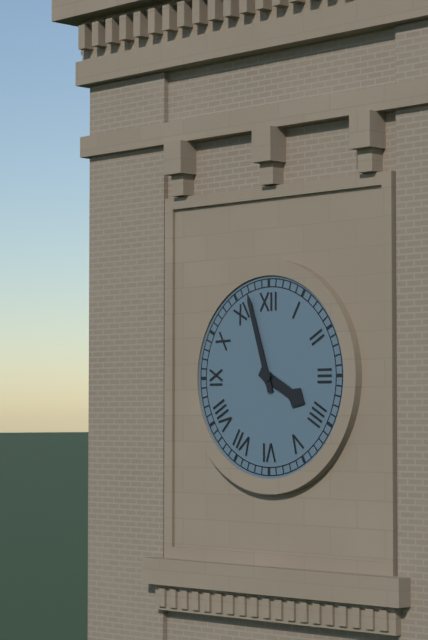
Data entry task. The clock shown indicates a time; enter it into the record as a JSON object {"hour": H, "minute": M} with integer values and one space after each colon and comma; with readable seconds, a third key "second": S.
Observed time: {"hour": 3, "minute": 57}
